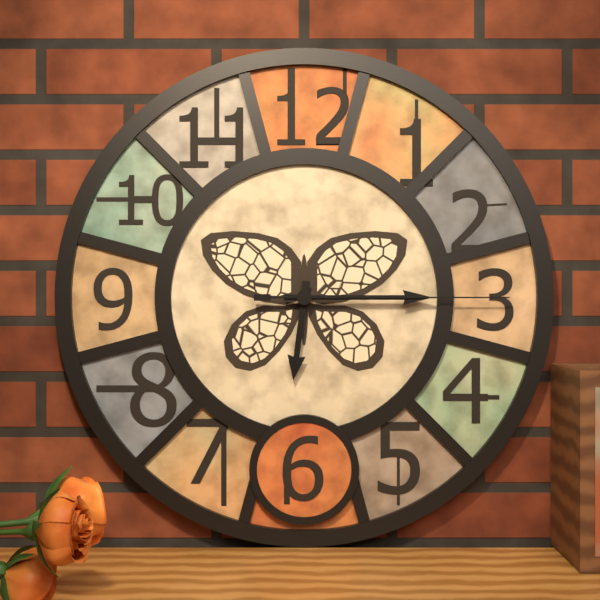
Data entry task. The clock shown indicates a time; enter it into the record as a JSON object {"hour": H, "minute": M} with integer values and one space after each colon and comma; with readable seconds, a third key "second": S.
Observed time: {"hour": 6, "minute": 15, "second": 15}
